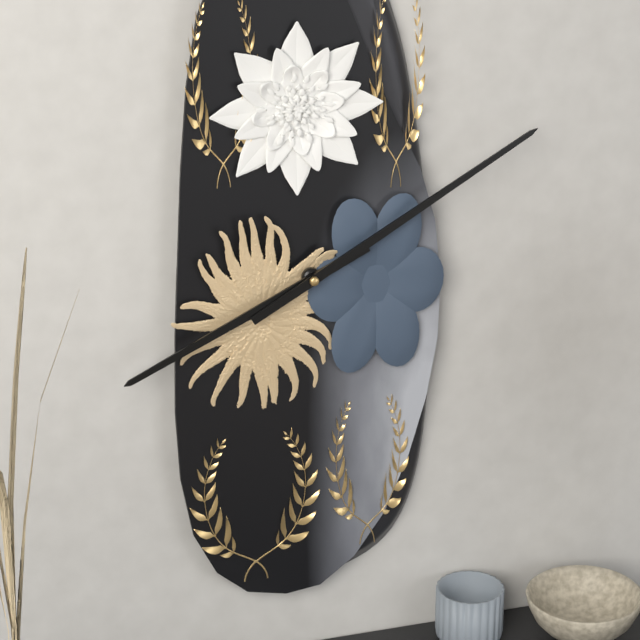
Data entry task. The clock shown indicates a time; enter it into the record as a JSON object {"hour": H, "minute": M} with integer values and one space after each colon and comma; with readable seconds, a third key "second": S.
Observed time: {"hour": 8, "minute": 10}
